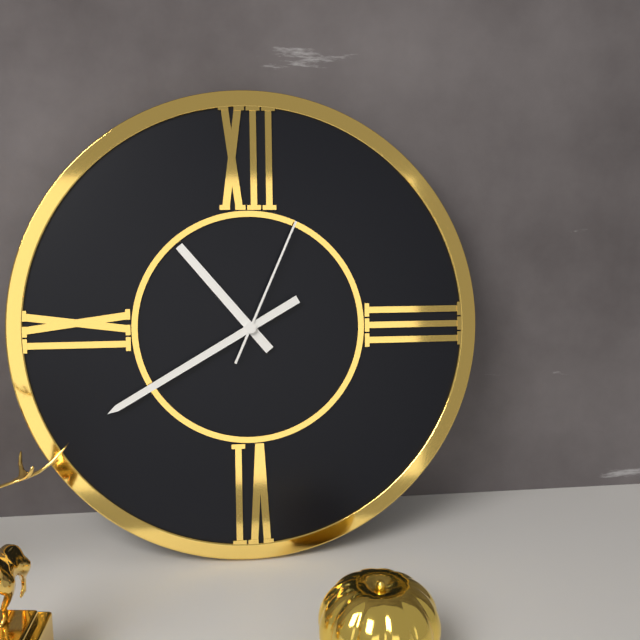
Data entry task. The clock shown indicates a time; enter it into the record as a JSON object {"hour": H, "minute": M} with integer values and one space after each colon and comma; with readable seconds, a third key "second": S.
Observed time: {"hour": 10, "minute": 40, "second": 4}
